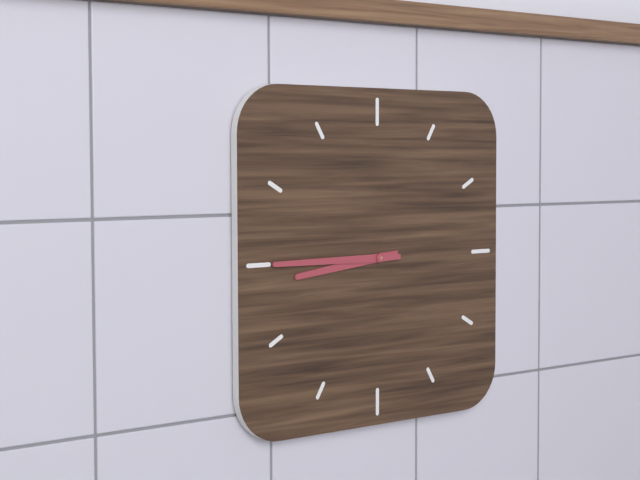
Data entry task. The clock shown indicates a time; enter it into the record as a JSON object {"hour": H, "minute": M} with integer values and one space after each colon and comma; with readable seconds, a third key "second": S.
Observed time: {"hour": 8, "minute": 45}
